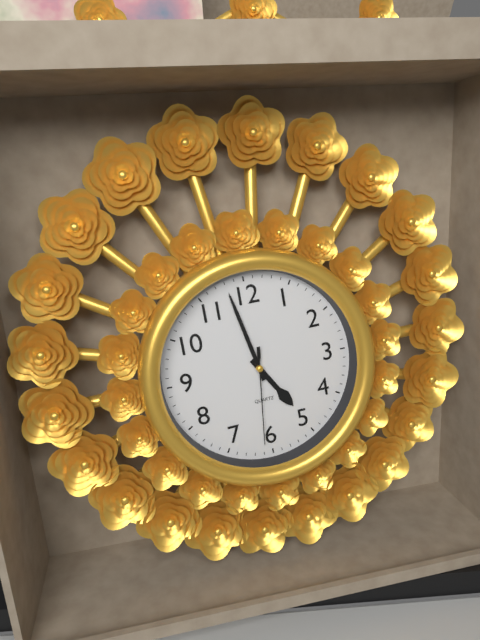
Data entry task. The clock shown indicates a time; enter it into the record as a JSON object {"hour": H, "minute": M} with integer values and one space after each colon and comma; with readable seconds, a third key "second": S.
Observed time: {"hour": 4, "minute": 58, "second": 31}
